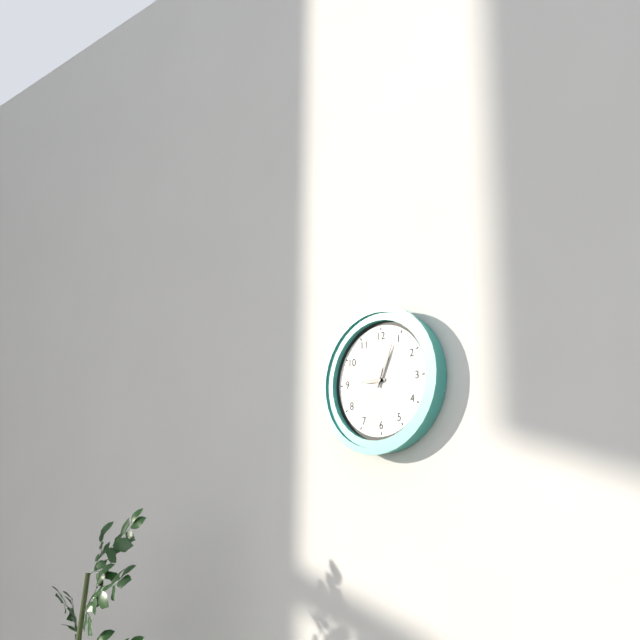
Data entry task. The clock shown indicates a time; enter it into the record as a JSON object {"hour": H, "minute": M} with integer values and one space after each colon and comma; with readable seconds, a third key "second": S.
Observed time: {"hour": 9, "minute": 4, "second": 33}
